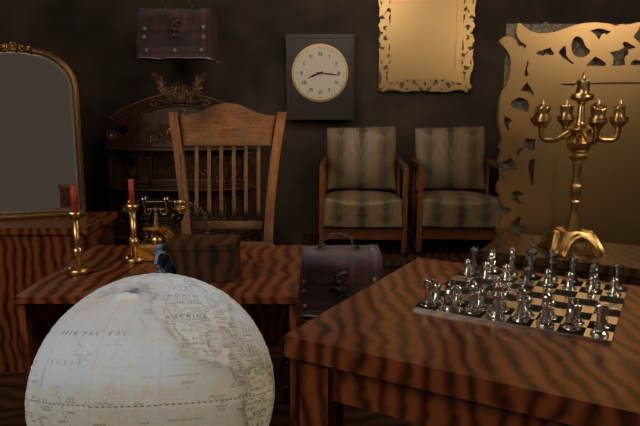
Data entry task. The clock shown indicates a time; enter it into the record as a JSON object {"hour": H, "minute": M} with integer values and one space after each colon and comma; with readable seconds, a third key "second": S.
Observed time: {"hour": 8, "minute": 16}
